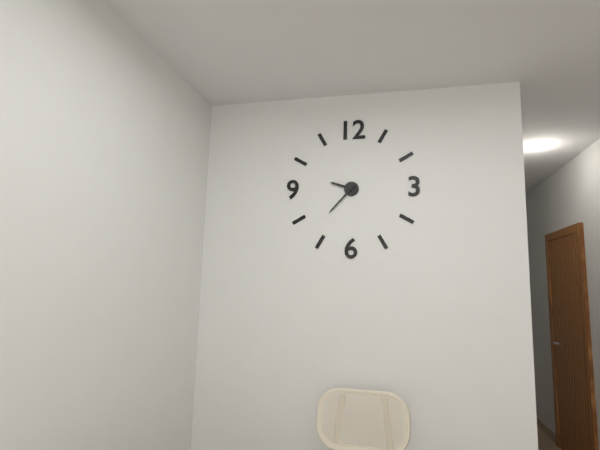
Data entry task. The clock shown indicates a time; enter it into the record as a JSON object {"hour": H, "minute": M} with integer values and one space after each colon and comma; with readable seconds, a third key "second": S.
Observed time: {"hour": 9, "minute": 37}
